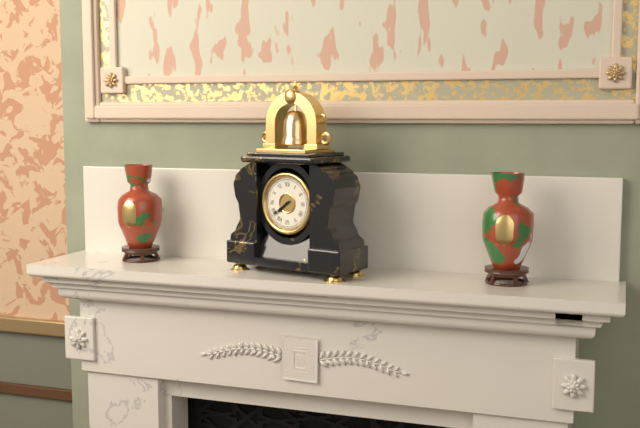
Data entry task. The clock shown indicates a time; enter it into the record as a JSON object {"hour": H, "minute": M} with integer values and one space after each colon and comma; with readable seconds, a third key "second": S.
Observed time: {"hour": 7, "minute": 39}
